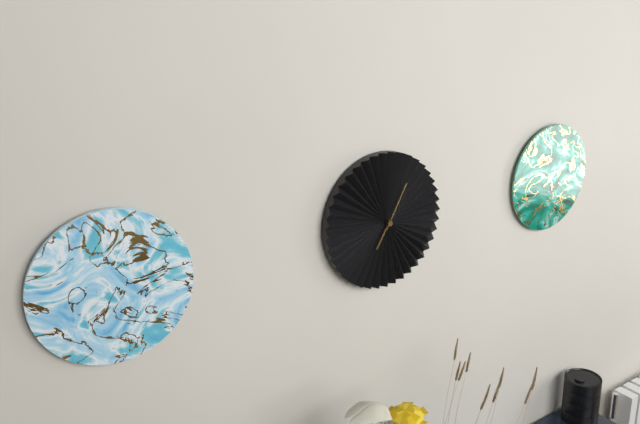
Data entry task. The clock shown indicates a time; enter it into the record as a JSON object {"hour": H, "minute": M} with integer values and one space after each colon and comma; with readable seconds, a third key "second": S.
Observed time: {"hour": 7, "minute": 5}
